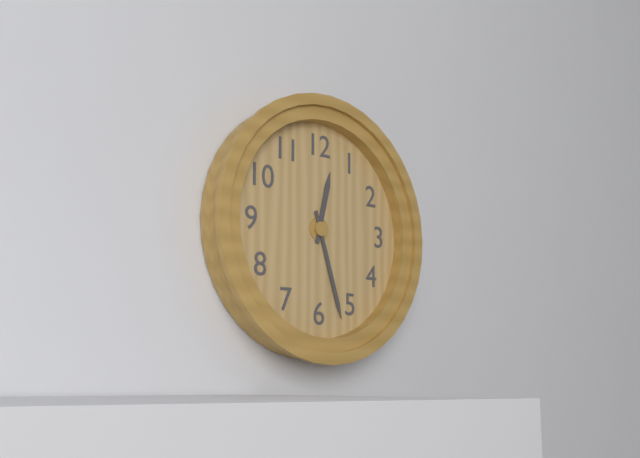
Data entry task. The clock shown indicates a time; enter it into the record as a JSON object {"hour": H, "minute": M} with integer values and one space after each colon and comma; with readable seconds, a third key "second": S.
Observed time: {"hour": 12, "minute": 27}
